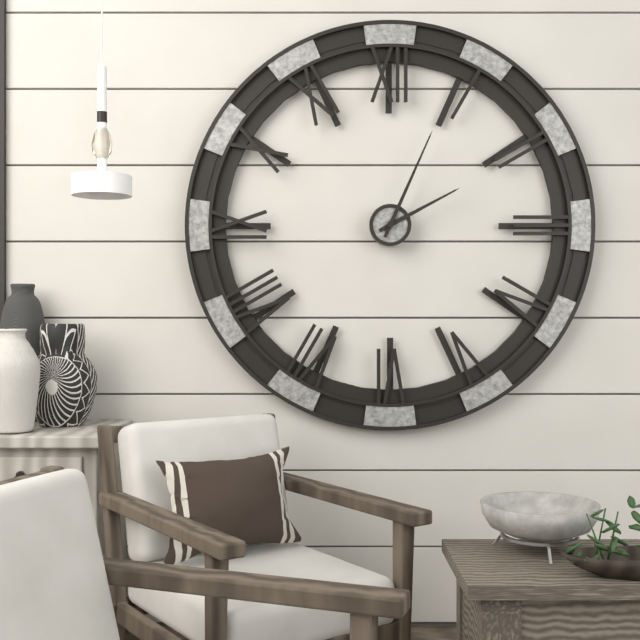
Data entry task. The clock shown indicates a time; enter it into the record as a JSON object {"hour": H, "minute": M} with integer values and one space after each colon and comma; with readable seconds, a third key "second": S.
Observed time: {"hour": 2, "minute": 4}
